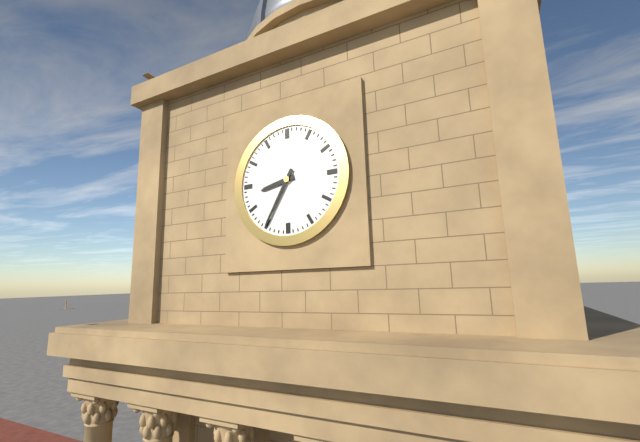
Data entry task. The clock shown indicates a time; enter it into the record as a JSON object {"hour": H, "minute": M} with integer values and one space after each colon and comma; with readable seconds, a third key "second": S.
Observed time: {"hour": 8, "minute": 35}
